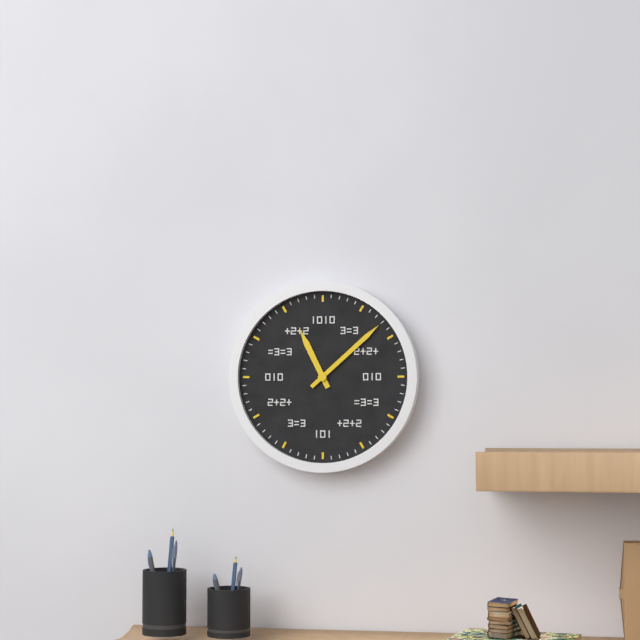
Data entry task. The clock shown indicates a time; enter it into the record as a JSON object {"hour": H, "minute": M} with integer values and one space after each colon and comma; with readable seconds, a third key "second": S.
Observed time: {"hour": 11, "minute": 8}
